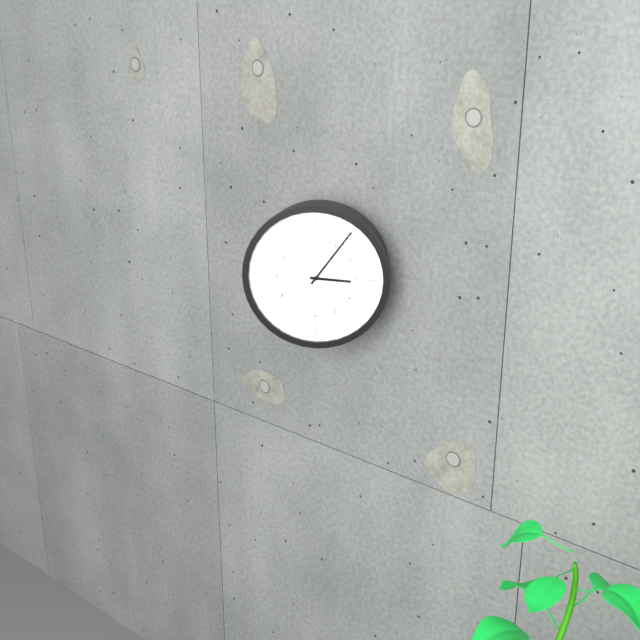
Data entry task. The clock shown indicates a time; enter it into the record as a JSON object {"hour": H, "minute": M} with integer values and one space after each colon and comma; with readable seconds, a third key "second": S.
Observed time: {"hour": 3, "minute": 6}
